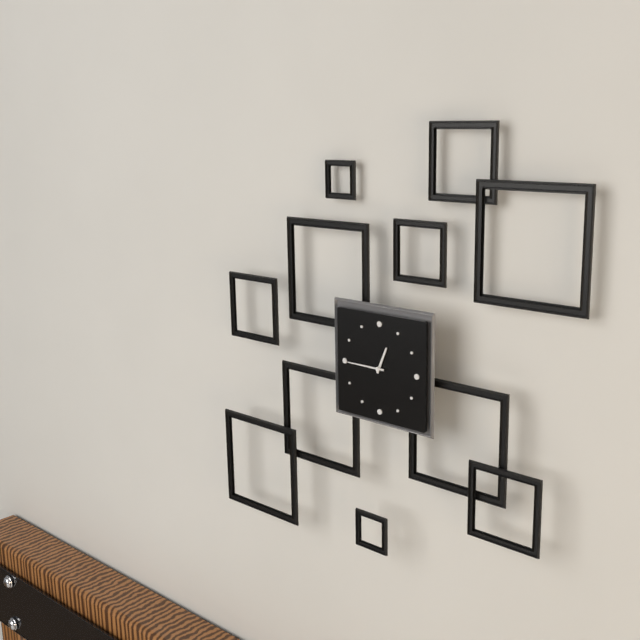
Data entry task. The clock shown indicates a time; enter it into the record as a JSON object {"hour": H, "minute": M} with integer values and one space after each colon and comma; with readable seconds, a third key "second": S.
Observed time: {"hour": 12, "minute": 45}
